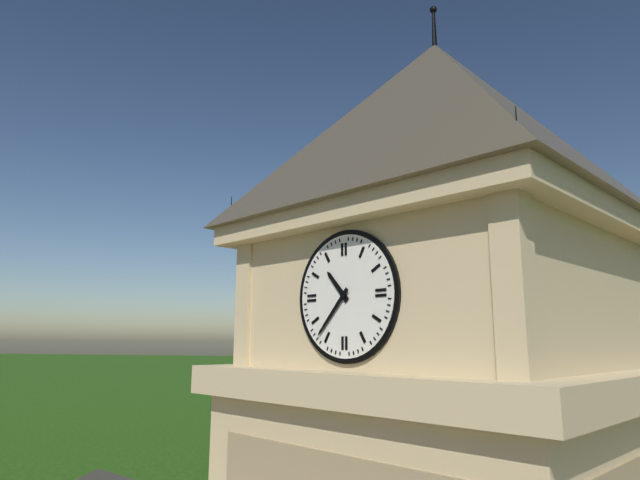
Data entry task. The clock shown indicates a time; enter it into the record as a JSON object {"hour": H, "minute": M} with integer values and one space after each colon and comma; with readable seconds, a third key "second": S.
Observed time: {"hour": 10, "minute": 37}
